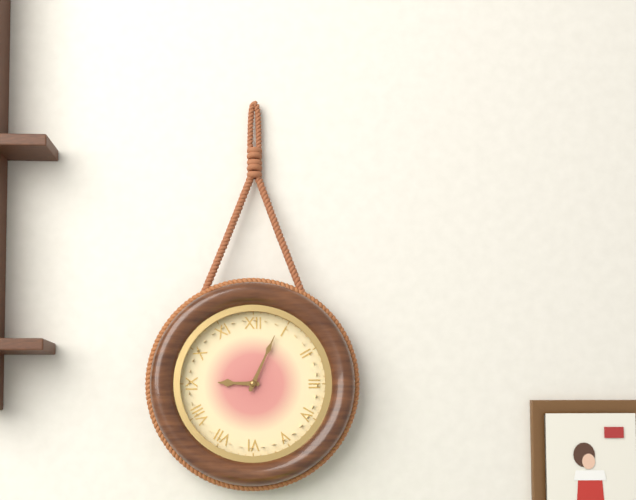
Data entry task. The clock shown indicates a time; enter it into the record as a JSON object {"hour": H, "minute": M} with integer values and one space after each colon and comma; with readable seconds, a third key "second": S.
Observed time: {"hour": 9, "minute": 4}
